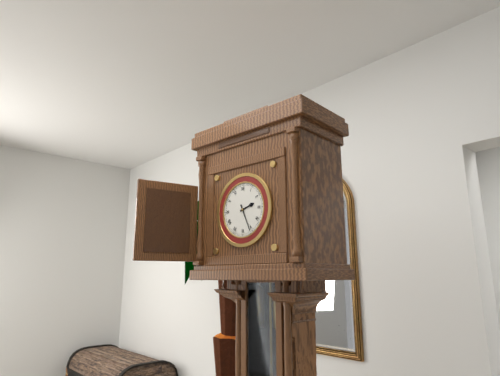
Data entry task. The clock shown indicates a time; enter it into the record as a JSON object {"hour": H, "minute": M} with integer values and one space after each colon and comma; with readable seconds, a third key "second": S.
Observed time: {"hour": 2, "minute": 26}
